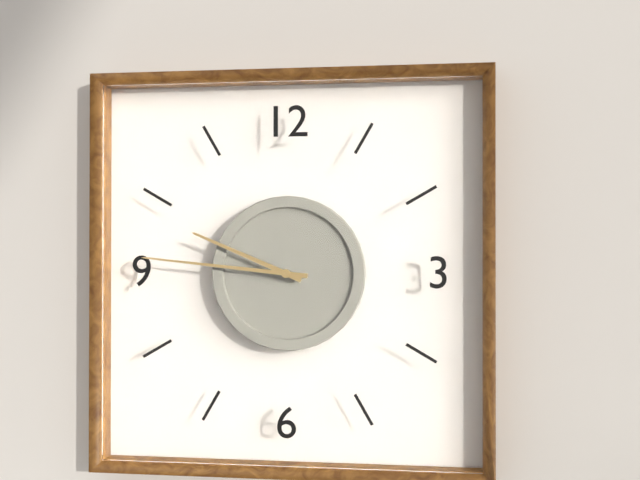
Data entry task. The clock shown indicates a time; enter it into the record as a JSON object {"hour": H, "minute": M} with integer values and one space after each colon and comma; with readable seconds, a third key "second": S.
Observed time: {"hour": 9, "minute": 46}
